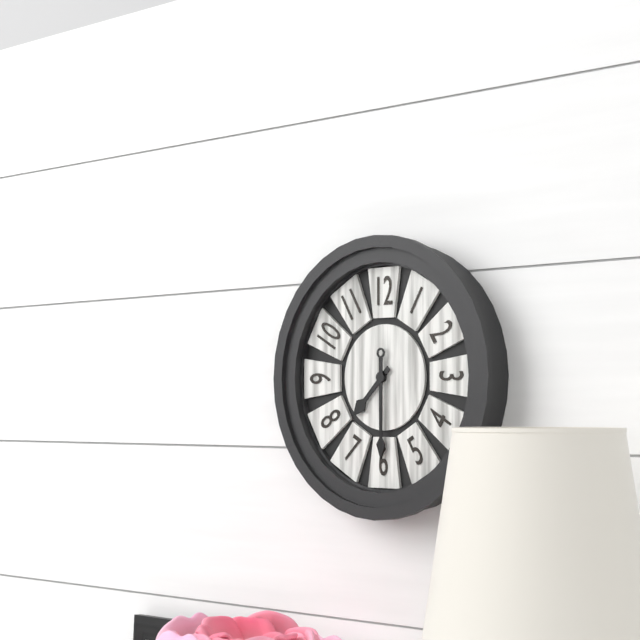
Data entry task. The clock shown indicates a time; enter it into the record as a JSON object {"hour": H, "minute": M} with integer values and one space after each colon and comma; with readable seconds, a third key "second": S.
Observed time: {"hour": 7, "minute": 30}
